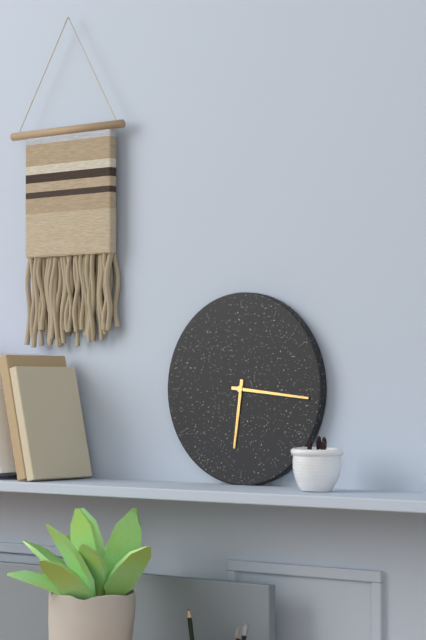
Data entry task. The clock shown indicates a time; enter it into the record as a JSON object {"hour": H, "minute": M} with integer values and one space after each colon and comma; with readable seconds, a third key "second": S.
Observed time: {"hour": 6, "minute": 16}
